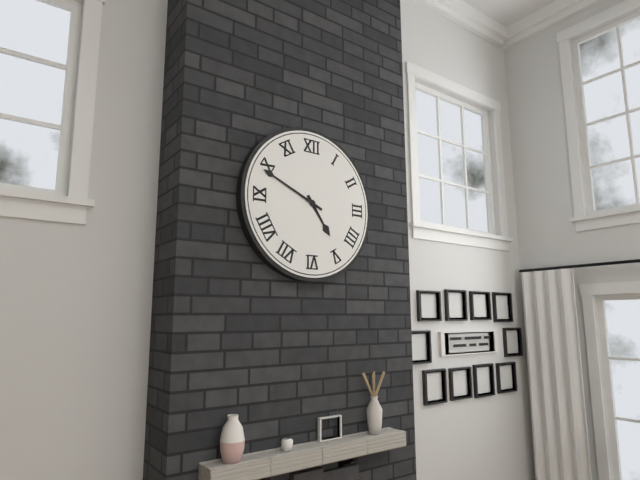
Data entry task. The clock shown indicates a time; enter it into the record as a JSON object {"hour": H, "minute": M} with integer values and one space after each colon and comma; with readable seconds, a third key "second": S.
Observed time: {"hour": 4, "minute": 49}
